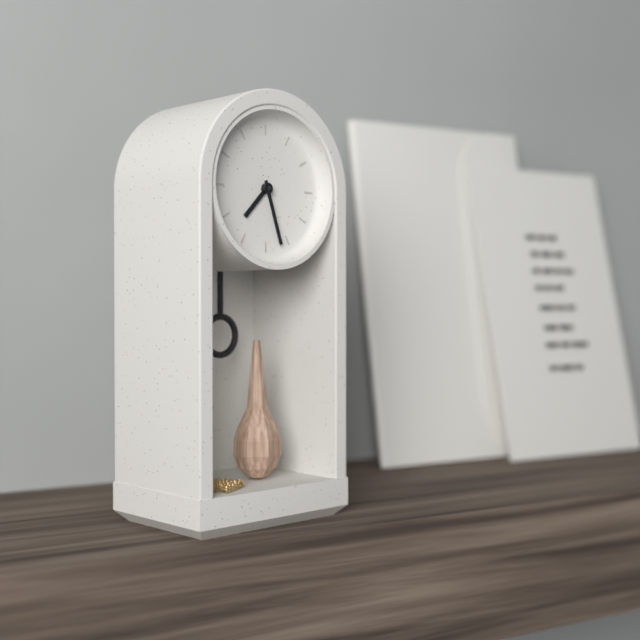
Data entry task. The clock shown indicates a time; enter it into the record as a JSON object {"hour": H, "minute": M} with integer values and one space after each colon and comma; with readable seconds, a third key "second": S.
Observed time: {"hour": 7, "minute": 27}
